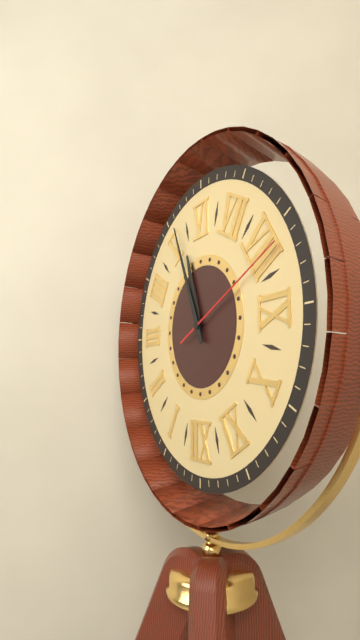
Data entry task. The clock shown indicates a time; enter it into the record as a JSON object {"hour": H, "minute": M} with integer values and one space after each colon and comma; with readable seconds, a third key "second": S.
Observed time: {"hour": 5, "minute": 26, "second": 41}
